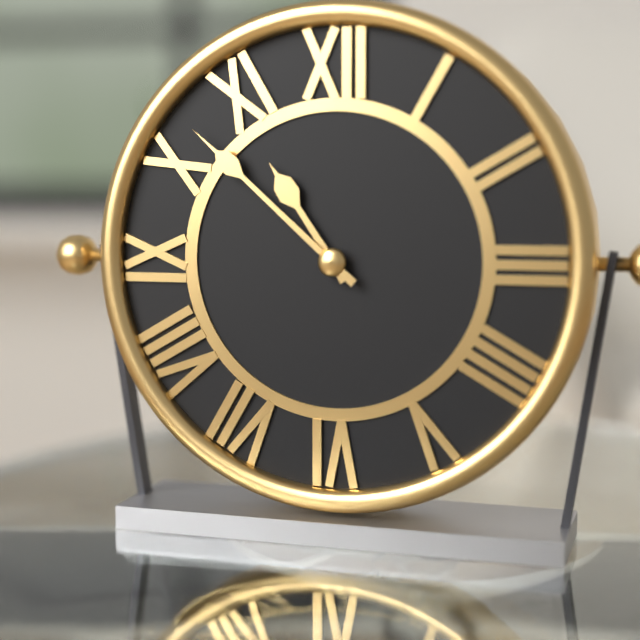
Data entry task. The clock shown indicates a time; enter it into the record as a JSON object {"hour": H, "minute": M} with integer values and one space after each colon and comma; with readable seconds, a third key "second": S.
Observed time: {"hour": 10, "minute": 52}
